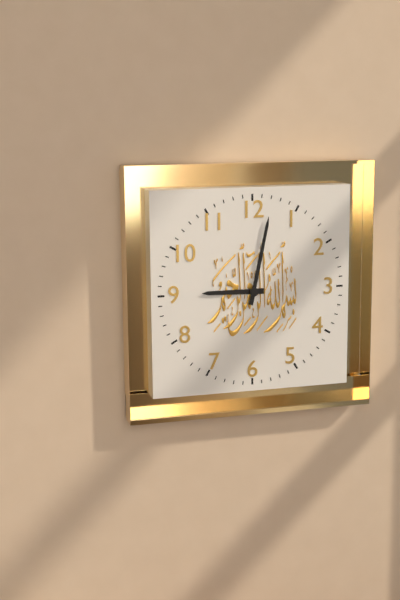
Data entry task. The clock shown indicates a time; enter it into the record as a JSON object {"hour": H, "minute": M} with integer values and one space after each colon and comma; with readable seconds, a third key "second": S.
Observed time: {"hour": 9, "minute": 2}
